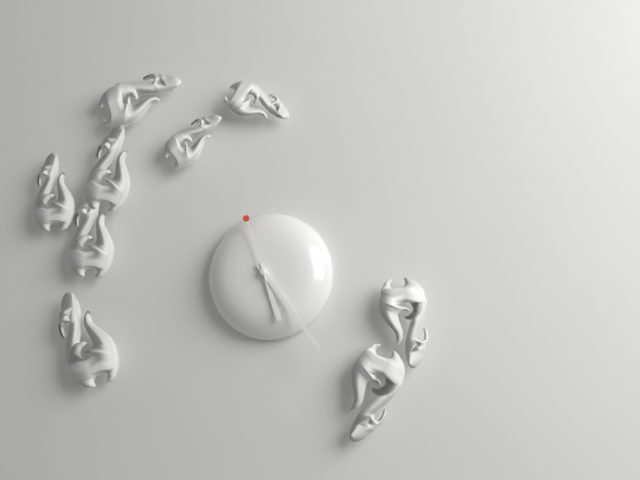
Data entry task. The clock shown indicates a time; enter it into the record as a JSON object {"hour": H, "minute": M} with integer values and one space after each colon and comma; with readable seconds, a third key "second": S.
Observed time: {"hour": 5, "minute": 24, "second": 57}
